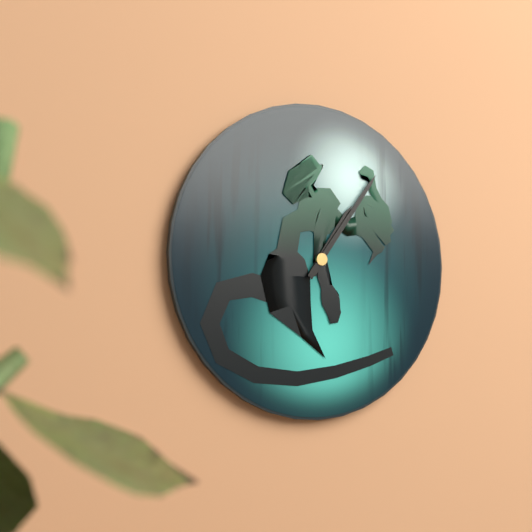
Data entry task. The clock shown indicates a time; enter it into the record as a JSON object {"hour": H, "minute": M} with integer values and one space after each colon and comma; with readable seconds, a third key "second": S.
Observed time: {"hour": 1, "minute": 6}
